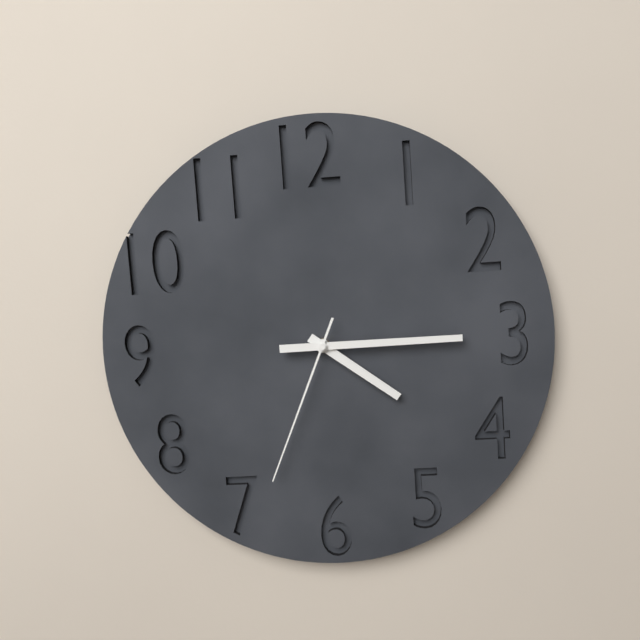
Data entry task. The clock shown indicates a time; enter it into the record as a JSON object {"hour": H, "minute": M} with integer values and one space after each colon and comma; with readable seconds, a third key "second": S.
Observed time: {"hour": 4, "minute": 15, "second": 34}
